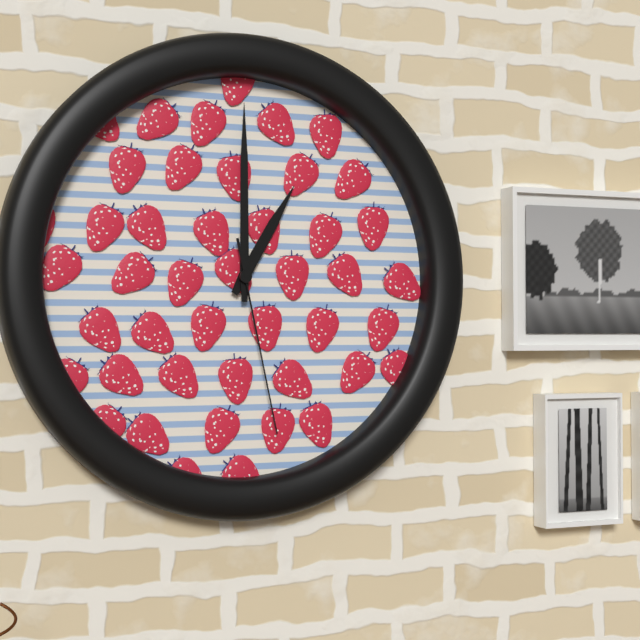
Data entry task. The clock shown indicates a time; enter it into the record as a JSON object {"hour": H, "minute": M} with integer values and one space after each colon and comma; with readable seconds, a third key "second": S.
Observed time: {"hour": 1, "minute": 0, "second": 28}
